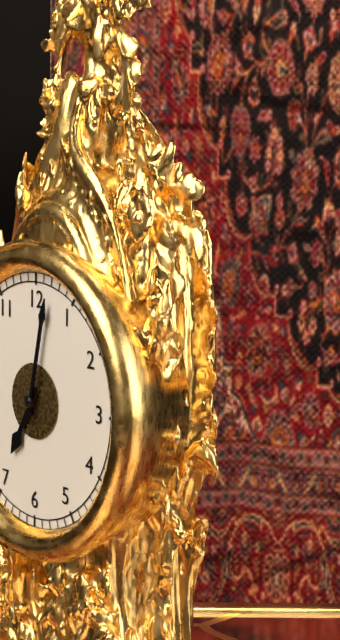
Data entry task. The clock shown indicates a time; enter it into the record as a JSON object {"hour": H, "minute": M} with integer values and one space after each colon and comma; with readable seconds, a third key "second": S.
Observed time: {"hour": 7, "minute": 2}
